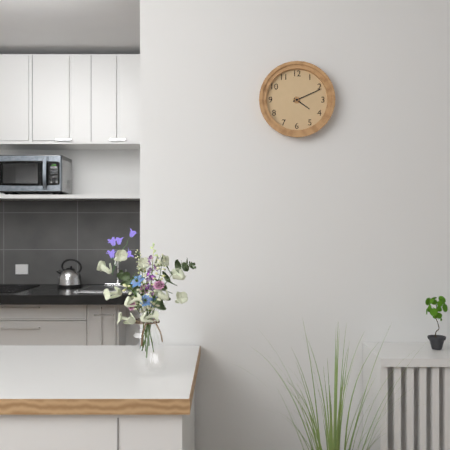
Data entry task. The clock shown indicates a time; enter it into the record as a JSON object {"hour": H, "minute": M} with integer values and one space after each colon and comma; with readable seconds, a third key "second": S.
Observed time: {"hour": 4, "minute": 11}
